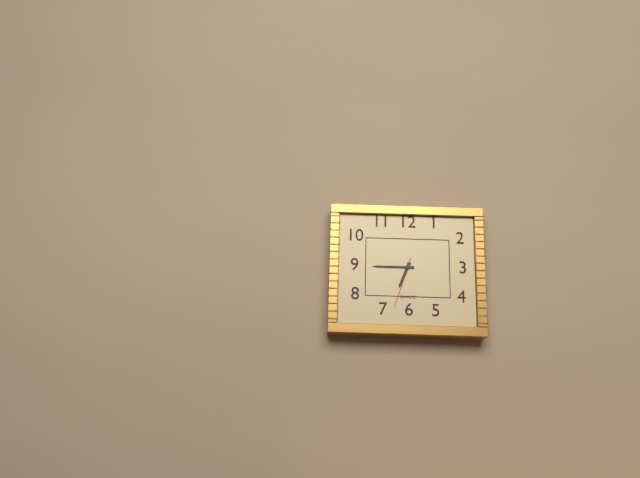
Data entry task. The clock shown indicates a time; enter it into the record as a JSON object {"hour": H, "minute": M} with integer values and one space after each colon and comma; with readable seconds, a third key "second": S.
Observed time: {"hour": 6, "minute": 45, "second": 33}
